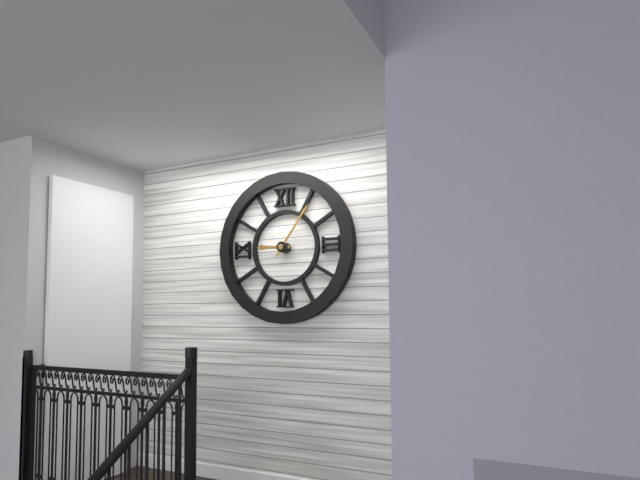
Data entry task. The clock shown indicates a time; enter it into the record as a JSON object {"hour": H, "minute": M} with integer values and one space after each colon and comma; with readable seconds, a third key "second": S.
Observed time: {"hour": 9, "minute": 6}
